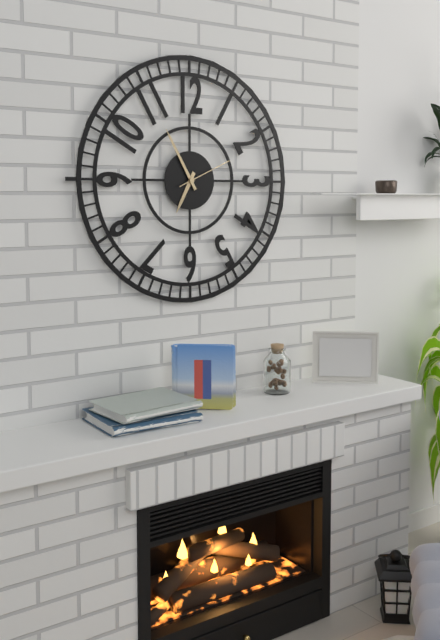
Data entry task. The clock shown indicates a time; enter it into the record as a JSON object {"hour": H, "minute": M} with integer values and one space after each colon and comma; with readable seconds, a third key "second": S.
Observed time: {"hour": 6, "minute": 55, "second": 11}
